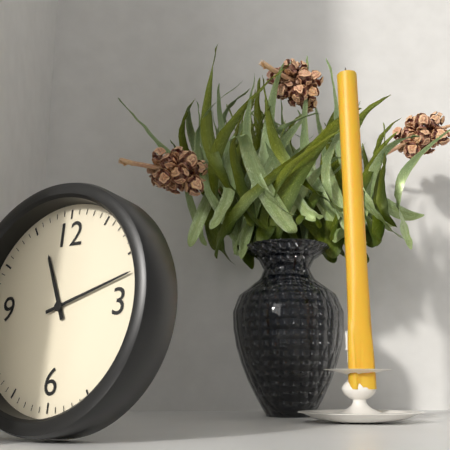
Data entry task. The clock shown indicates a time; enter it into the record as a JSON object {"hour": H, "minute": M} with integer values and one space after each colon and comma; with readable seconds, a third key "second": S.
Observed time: {"hour": 11, "minute": 12}
